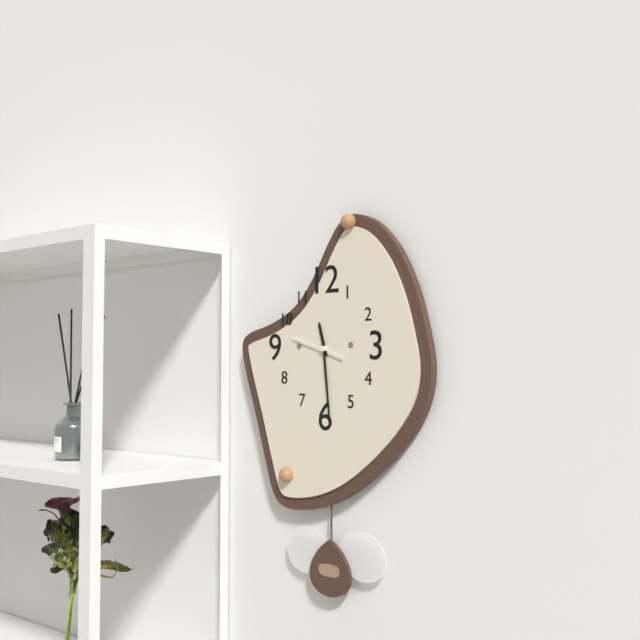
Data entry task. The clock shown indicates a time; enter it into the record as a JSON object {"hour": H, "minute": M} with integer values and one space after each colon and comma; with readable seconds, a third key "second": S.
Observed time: {"hour": 11, "minute": 29}
